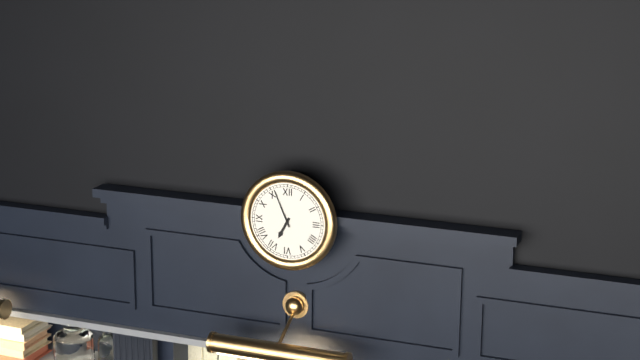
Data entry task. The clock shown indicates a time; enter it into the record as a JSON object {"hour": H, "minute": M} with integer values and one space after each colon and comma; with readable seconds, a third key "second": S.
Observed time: {"hour": 6, "minute": 56}
